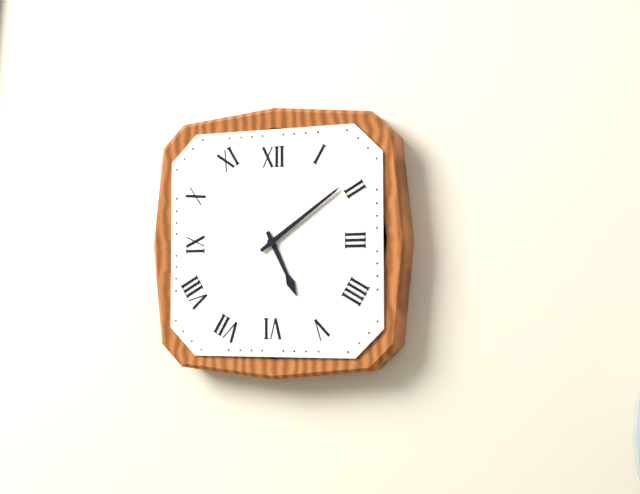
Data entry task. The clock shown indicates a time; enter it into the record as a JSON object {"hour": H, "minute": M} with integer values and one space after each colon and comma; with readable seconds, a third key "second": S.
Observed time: {"hour": 5, "minute": 9}
